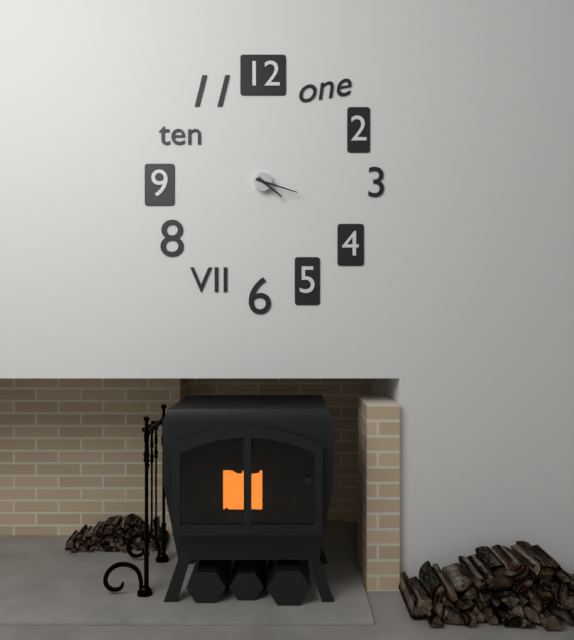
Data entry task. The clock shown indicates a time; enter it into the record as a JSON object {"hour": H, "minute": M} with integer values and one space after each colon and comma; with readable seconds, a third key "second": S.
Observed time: {"hour": 4, "minute": 18}
